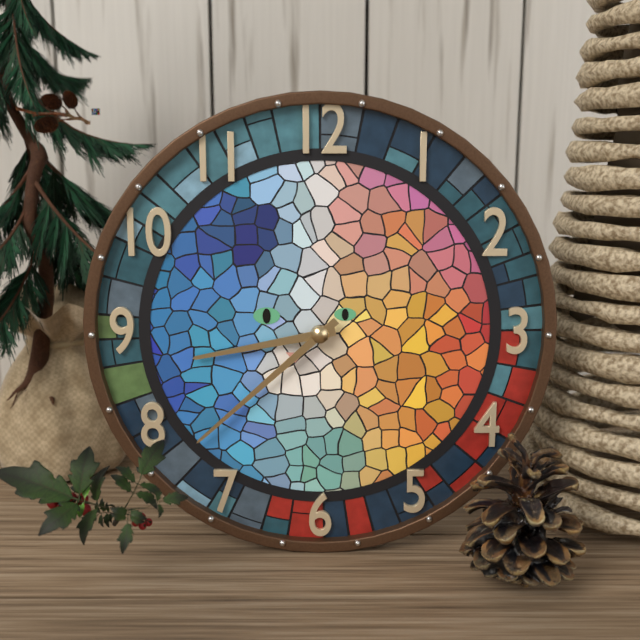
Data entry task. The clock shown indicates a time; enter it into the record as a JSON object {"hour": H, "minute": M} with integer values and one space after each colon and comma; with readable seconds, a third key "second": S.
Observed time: {"hour": 8, "minute": 38}
